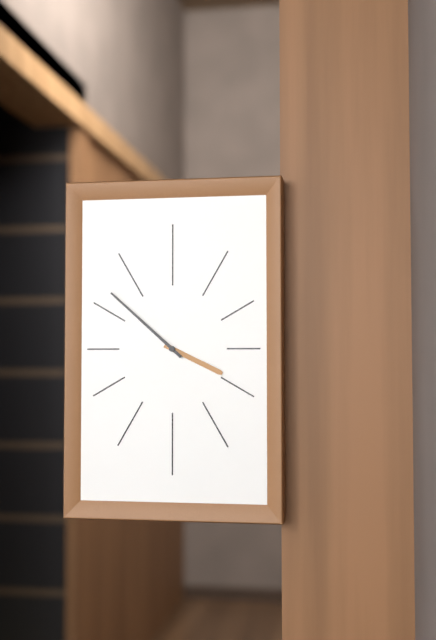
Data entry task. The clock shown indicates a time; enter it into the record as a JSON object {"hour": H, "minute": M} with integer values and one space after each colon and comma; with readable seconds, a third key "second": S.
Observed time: {"hour": 3, "minute": 52}
